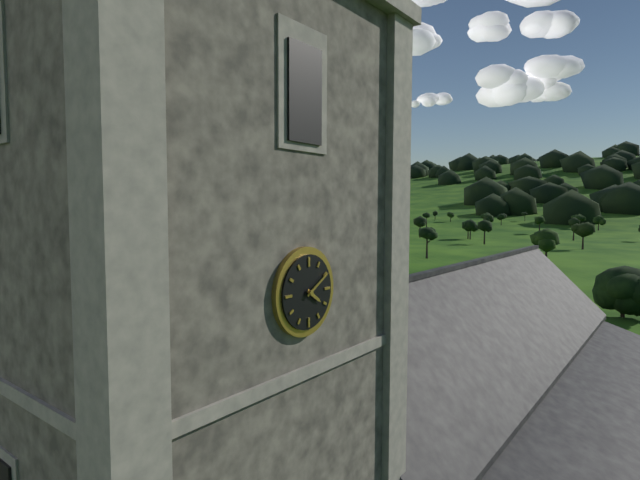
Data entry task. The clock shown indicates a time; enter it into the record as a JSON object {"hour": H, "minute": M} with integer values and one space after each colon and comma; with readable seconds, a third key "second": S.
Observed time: {"hour": 4, "minute": 10}
